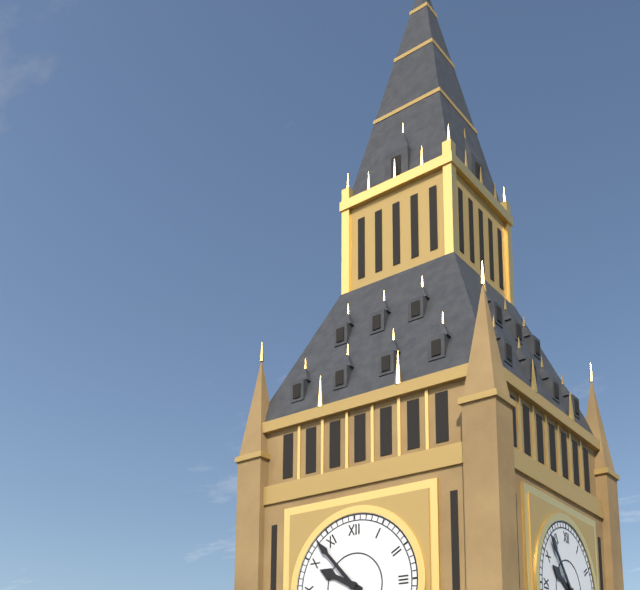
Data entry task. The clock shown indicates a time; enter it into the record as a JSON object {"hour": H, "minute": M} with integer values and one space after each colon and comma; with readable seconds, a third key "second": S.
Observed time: {"hour": 9, "minute": 53}
